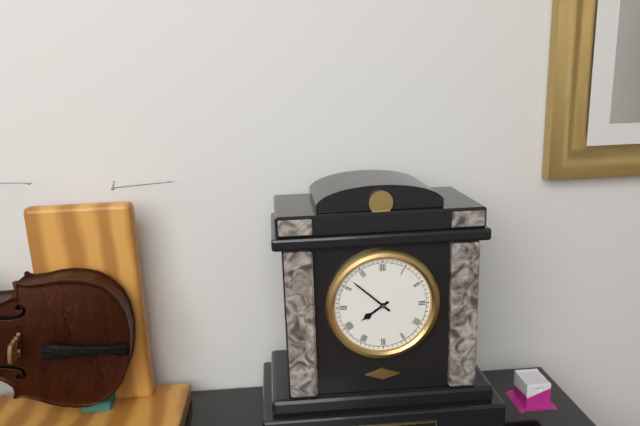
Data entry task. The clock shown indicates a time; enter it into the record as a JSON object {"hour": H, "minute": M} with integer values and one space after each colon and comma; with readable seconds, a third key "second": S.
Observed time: {"hour": 7, "minute": 52}
